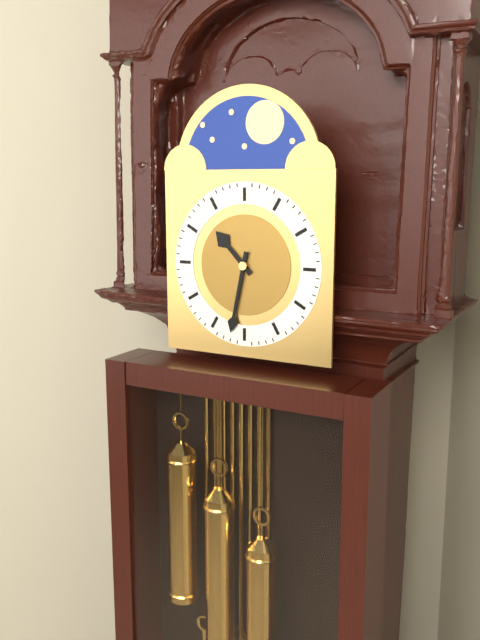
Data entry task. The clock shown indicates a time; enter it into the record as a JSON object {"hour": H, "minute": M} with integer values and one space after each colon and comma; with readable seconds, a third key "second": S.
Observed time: {"hour": 10, "minute": 32}
